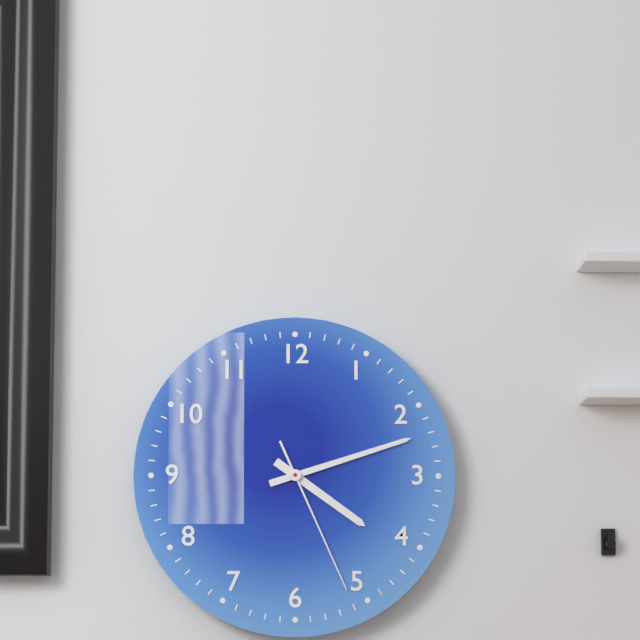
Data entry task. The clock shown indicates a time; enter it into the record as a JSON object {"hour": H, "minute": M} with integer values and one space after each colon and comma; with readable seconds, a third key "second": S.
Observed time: {"hour": 4, "minute": 12, "second": 26}
